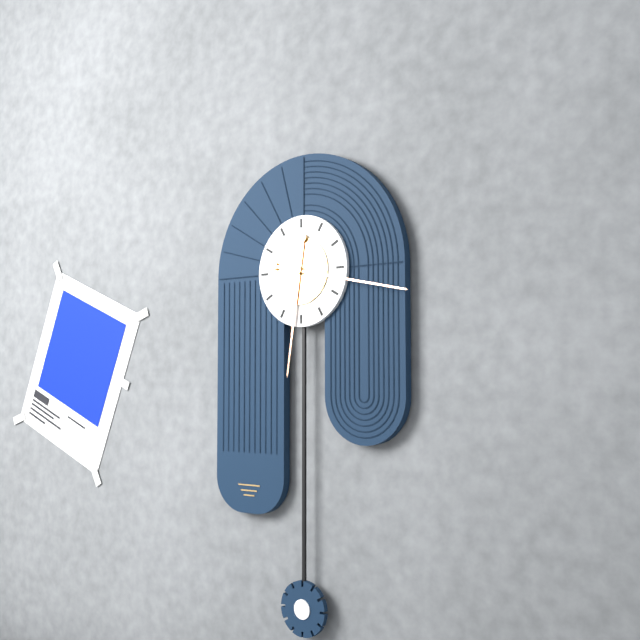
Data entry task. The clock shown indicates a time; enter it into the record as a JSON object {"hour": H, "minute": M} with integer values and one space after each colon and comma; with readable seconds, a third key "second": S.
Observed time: {"hour": 6, "minute": 17}
